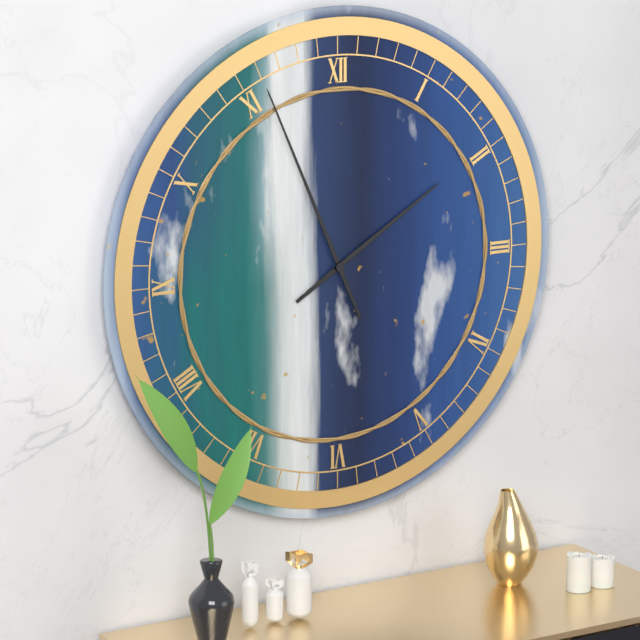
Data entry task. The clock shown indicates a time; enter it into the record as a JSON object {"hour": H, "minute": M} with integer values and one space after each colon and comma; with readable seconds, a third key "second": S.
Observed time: {"hour": 1, "minute": 56}
